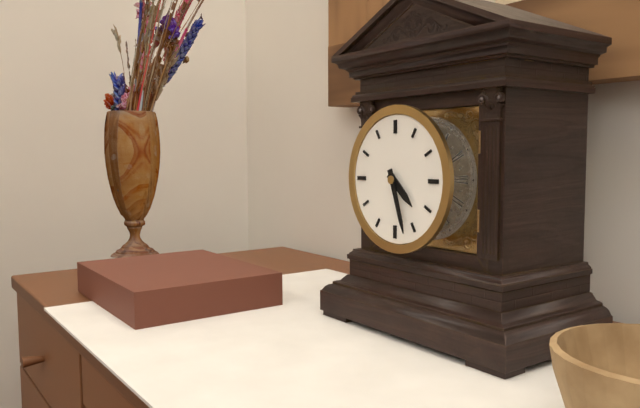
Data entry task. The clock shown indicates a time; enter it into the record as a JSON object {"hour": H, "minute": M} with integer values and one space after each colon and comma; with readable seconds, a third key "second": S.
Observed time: {"hour": 4, "minute": 27}
